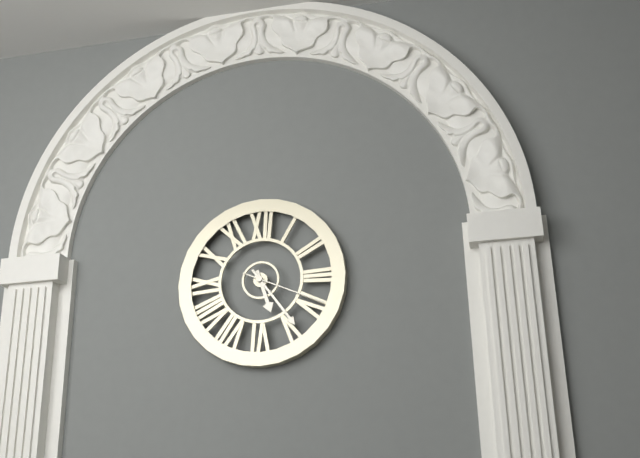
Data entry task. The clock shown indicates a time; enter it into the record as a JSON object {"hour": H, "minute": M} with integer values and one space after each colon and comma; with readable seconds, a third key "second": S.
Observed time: {"hour": 5, "minute": 24, "second": 19}
